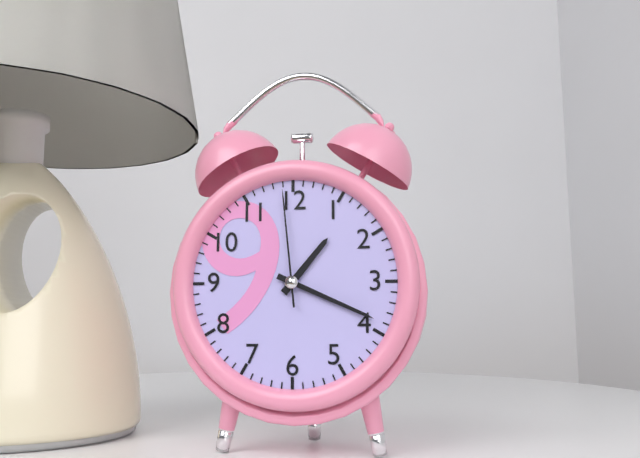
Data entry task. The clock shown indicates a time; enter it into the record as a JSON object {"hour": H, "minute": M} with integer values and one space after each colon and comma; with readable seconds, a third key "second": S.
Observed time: {"hour": 1, "minute": 19, "second": 59}
